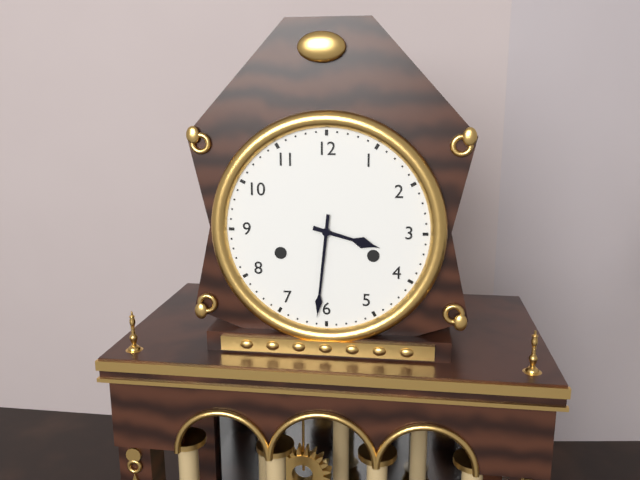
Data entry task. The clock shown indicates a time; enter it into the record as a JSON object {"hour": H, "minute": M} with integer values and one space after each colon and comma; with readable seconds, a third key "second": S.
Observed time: {"hour": 3, "minute": 31}
